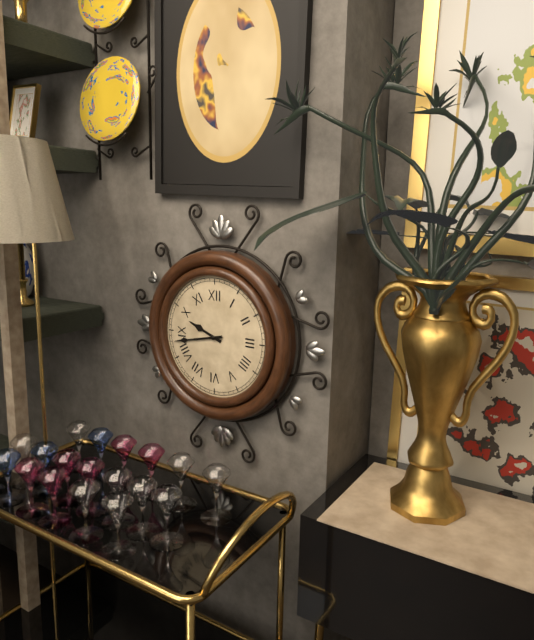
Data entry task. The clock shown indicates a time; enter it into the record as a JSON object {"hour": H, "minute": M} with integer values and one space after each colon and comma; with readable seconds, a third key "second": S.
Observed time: {"hour": 9, "minute": 43}
